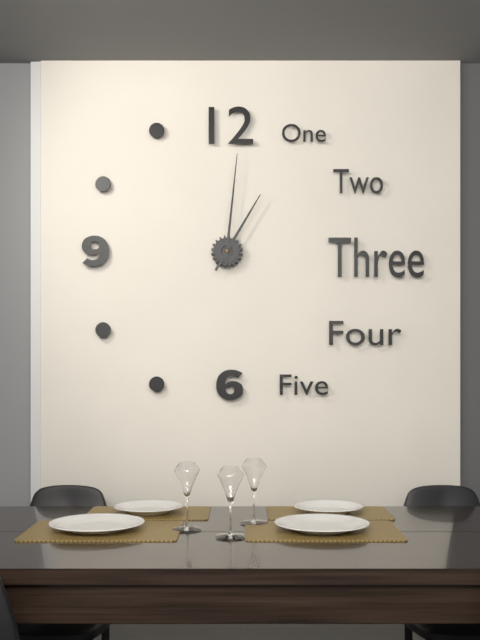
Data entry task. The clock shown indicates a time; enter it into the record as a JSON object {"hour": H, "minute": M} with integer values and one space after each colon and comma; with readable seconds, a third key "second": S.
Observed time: {"hour": 1, "minute": 1}
